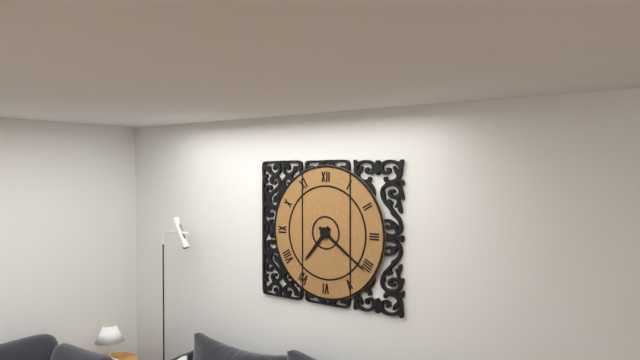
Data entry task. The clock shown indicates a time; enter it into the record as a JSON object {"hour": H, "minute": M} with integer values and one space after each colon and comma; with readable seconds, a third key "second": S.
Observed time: {"hour": 7, "minute": 21}
